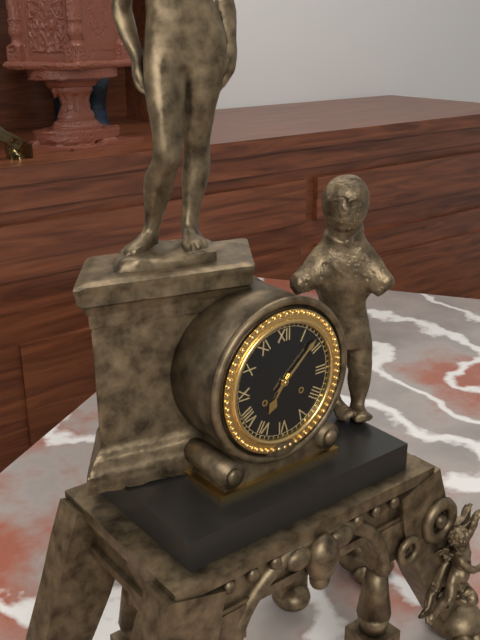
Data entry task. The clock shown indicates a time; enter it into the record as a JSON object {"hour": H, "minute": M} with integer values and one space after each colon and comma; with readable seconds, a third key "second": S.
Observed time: {"hour": 7, "minute": 8}
